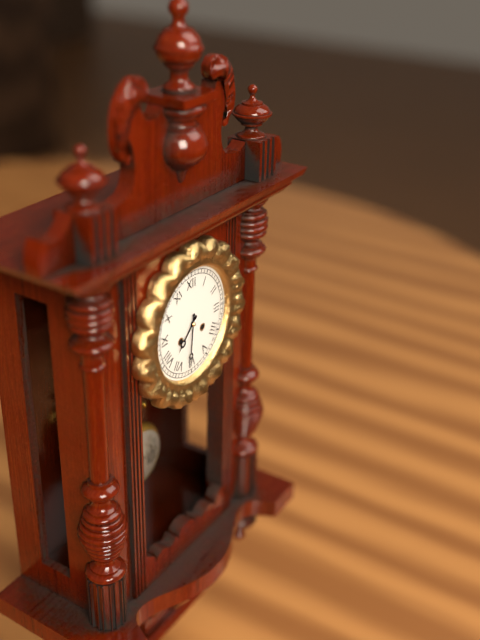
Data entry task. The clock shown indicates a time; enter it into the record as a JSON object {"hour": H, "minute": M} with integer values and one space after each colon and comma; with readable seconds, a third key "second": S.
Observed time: {"hour": 7, "minute": 31}
